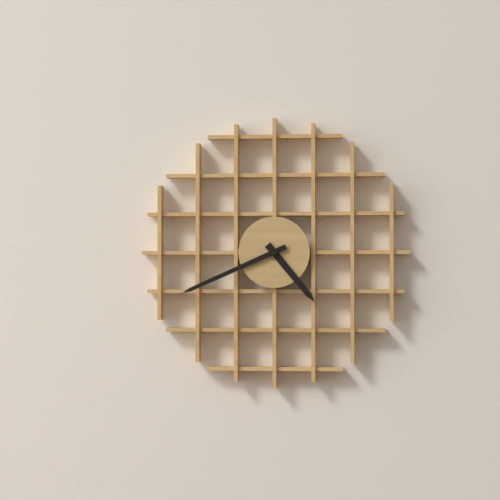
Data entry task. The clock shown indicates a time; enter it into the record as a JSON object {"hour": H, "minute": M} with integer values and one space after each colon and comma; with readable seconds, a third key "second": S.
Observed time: {"hour": 4, "minute": 41}
